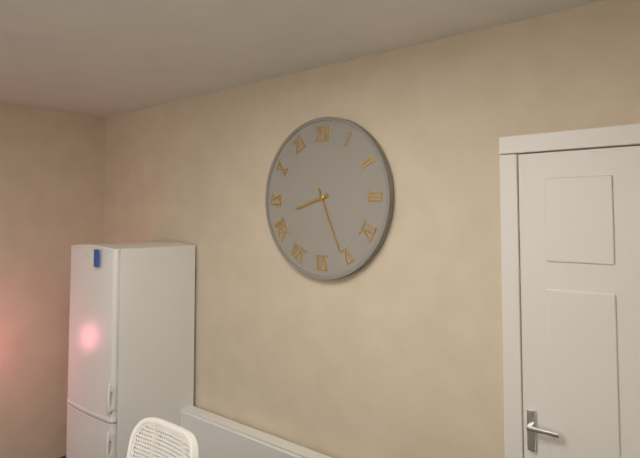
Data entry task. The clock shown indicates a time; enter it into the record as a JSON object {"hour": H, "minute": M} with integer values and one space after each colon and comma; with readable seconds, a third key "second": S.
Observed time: {"hour": 8, "minute": 26}
